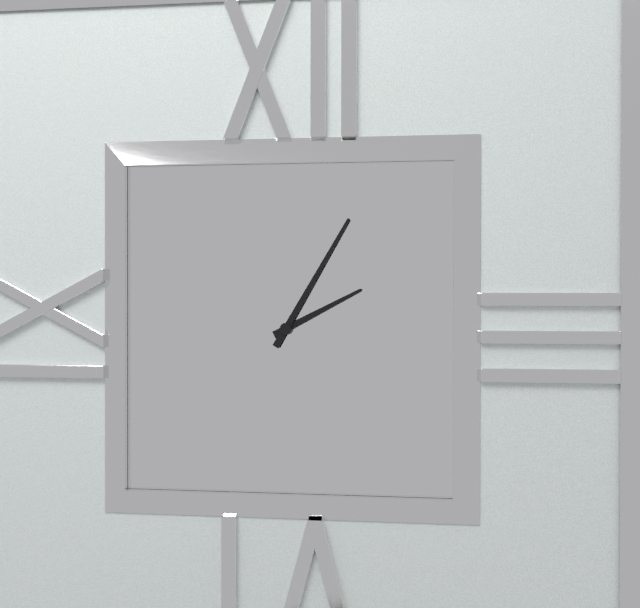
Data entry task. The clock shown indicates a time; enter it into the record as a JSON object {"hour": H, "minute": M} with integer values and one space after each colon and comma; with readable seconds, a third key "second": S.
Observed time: {"hour": 2, "minute": 5}
